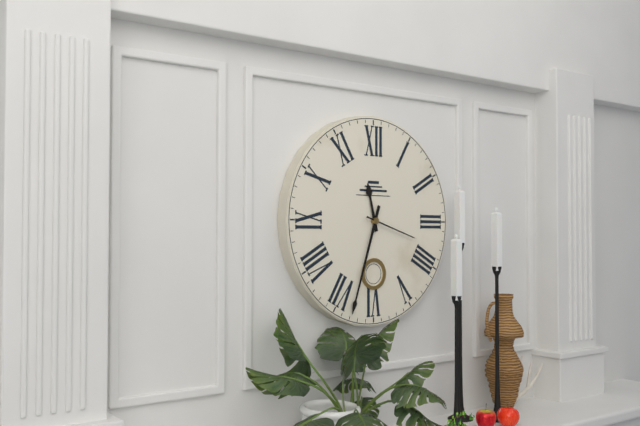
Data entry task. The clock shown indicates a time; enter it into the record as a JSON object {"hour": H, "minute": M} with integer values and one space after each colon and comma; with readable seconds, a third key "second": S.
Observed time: {"hour": 11, "minute": 33, "second": 18}
